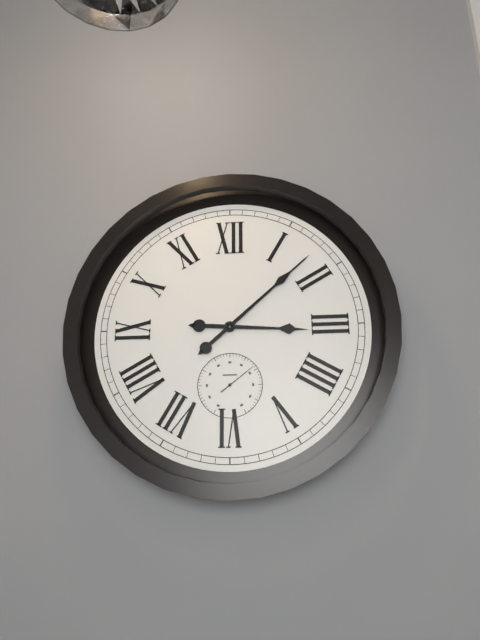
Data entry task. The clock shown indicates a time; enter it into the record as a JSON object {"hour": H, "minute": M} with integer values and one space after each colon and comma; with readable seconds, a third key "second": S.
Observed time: {"hour": 3, "minute": 8}
